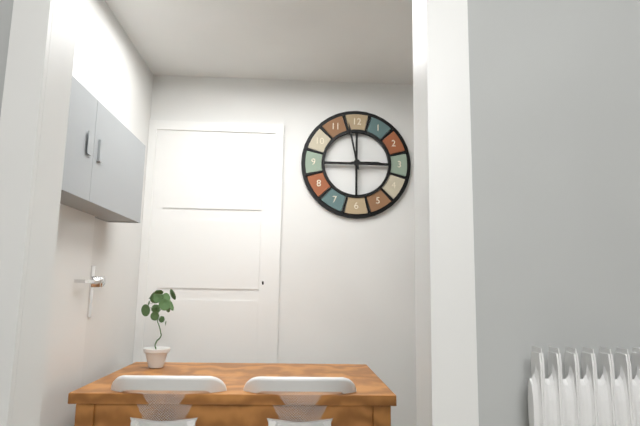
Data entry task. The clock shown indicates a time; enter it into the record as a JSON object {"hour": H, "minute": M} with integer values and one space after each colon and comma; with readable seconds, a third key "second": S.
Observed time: {"hour": 2, "minute": 58}
